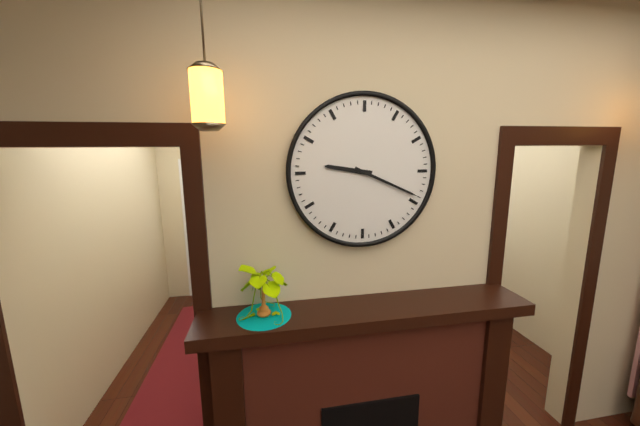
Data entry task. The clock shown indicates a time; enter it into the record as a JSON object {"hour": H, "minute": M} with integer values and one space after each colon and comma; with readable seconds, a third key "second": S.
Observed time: {"hour": 9, "minute": 19}
